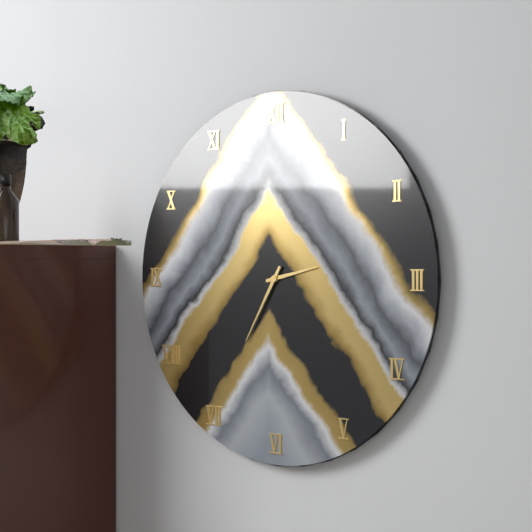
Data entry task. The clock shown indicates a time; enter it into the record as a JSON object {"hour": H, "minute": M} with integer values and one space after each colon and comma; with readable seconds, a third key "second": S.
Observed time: {"hour": 2, "minute": 35}
